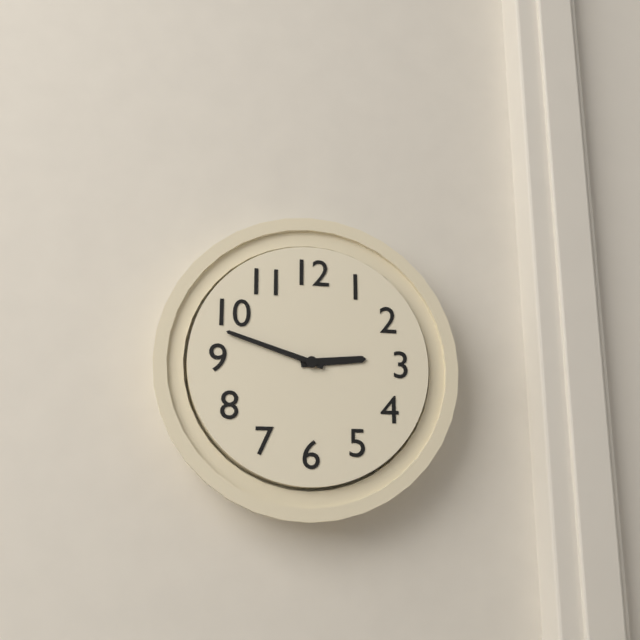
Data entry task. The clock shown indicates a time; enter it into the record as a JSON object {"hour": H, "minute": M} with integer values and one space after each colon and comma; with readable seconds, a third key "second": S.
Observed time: {"hour": 2, "minute": 48}
